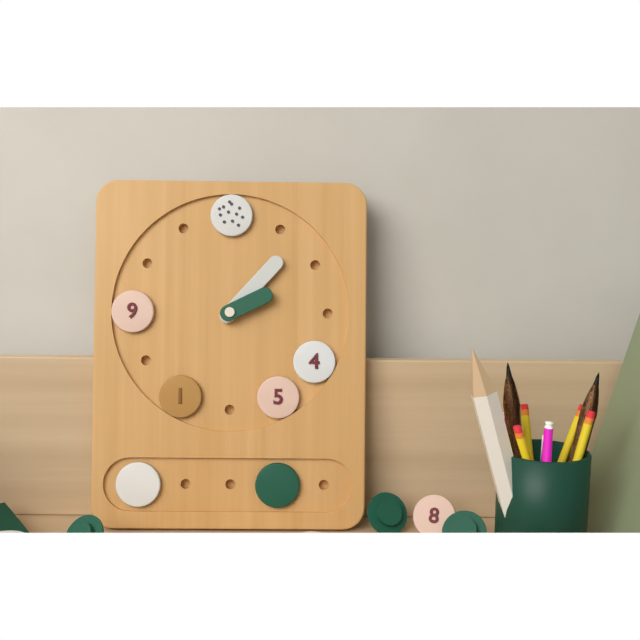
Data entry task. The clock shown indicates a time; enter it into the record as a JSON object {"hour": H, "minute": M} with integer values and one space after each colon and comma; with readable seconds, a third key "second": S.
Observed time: {"hour": 2, "minute": 7}
